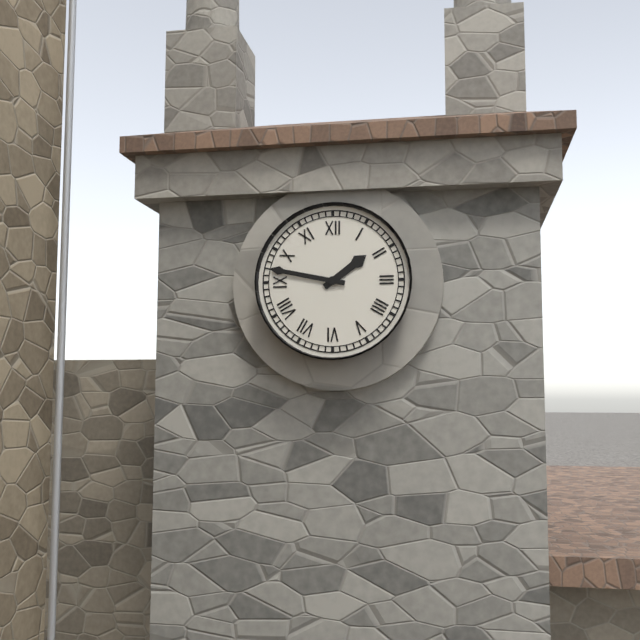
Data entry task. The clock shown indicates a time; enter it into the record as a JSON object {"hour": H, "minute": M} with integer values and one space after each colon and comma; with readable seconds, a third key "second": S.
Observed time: {"hour": 1, "minute": 47}
